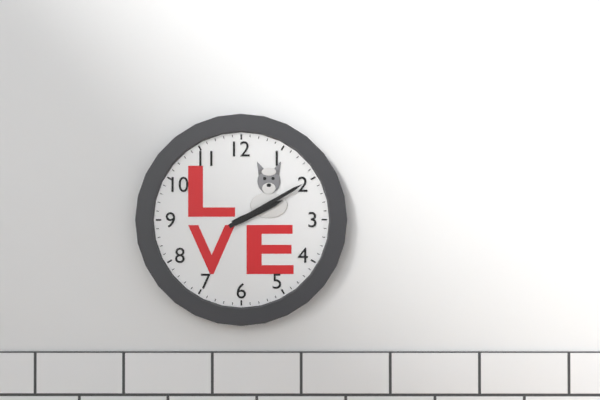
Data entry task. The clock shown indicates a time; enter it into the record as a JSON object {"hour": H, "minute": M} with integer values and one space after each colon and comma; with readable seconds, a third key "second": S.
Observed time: {"hour": 2, "minute": 10}
